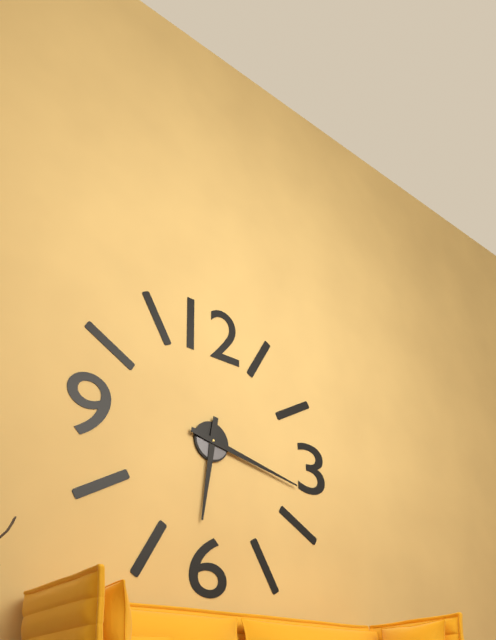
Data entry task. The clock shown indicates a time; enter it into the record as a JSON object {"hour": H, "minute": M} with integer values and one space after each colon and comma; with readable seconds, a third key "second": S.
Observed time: {"hour": 6, "minute": 17}
